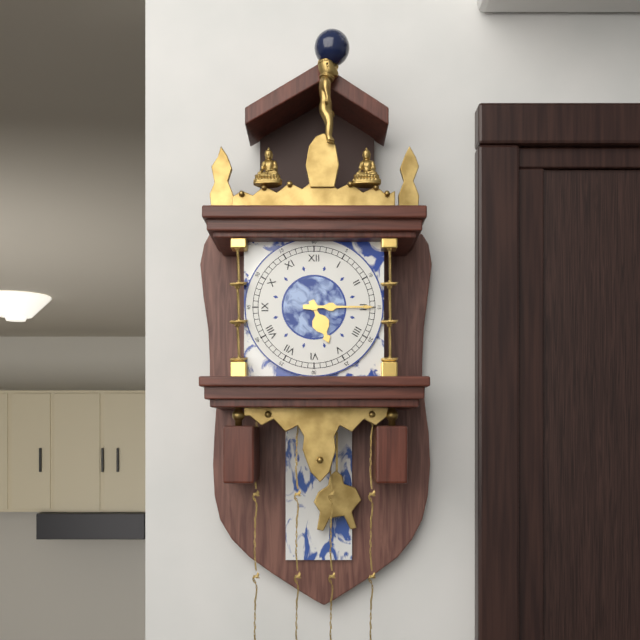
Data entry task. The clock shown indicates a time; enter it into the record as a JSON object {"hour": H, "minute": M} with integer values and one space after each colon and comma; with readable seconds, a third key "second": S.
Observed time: {"hour": 5, "minute": 15}
